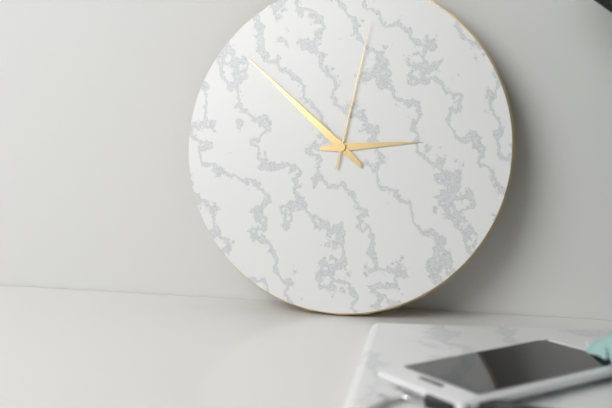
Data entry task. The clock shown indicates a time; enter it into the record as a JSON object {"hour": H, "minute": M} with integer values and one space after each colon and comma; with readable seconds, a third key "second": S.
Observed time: {"hour": 2, "minute": 52, "second": 2}
